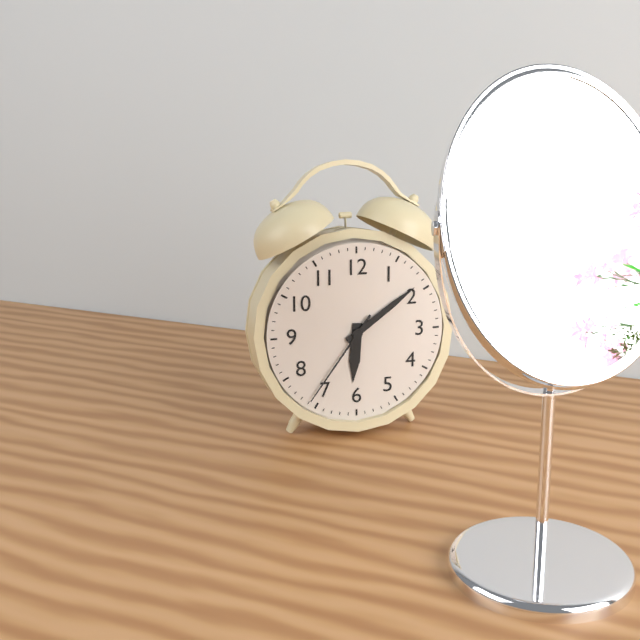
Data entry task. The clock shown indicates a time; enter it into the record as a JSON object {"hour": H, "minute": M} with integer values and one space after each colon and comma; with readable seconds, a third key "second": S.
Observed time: {"hour": 6, "minute": 9, "second": 36}
